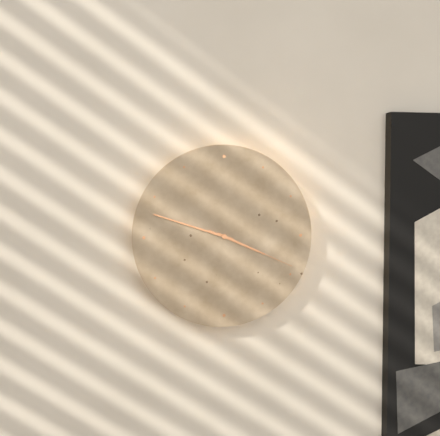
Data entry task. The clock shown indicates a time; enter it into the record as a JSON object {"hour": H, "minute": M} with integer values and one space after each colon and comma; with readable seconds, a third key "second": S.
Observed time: {"hour": 3, "minute": 48, "second": 19}
